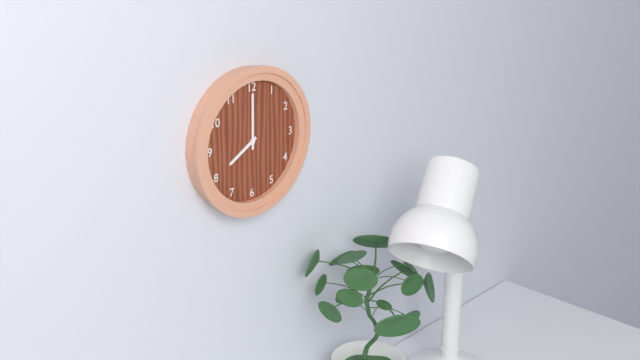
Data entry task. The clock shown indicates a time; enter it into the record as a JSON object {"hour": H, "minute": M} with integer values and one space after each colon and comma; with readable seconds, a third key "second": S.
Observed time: {"hour": 8, "minute": 0}
